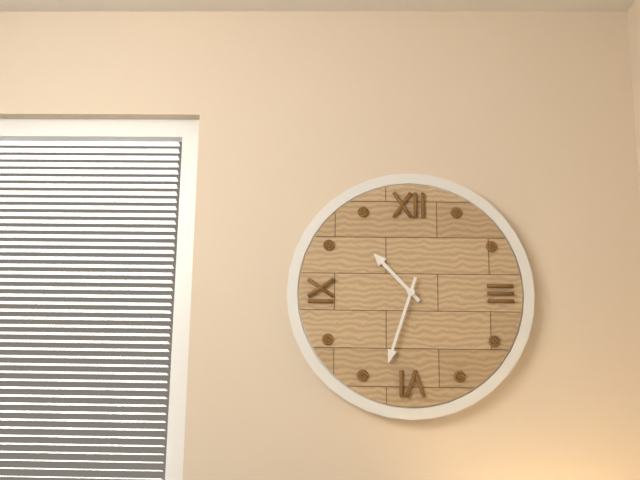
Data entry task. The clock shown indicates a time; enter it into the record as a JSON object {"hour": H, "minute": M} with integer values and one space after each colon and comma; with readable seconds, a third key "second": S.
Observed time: {"hour": 10, "minute": 33}
